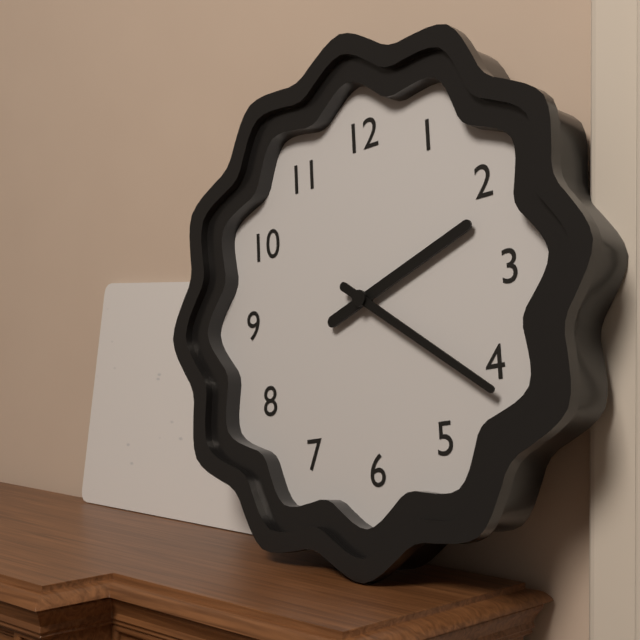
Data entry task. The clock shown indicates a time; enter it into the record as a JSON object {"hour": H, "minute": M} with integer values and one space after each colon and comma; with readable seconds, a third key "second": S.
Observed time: {"hour": 2, "minute": 21}
